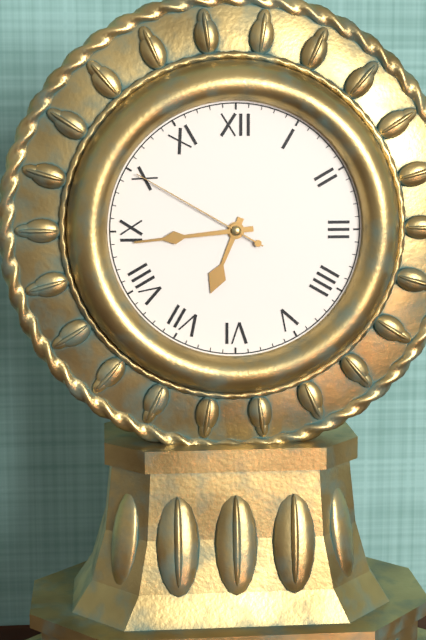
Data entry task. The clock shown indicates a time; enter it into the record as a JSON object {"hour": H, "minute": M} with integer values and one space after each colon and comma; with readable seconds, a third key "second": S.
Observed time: {"hour": 6, "minute": 44, "second": 50}
